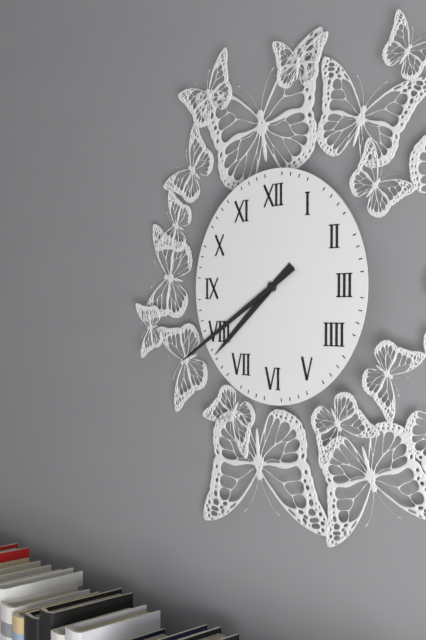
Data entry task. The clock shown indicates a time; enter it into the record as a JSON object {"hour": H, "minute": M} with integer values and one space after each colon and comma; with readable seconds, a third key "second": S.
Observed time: {"hour": 7, "minute": 40}
